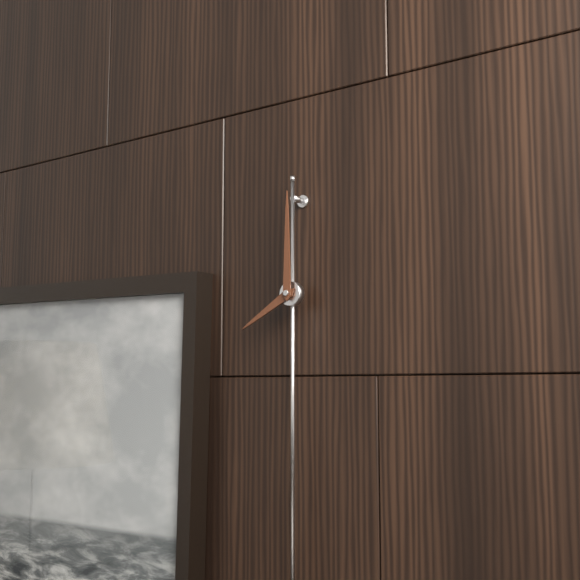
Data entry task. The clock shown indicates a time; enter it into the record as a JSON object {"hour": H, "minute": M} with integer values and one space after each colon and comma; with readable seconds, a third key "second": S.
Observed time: {"hour": 8, "minute": 0}
